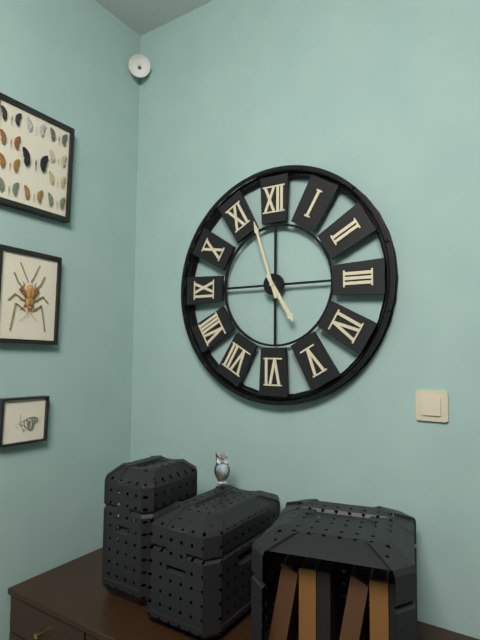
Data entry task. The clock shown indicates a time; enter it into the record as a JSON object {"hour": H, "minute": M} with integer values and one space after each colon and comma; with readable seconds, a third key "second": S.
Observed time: {"hour": 4, "minute": 57}
